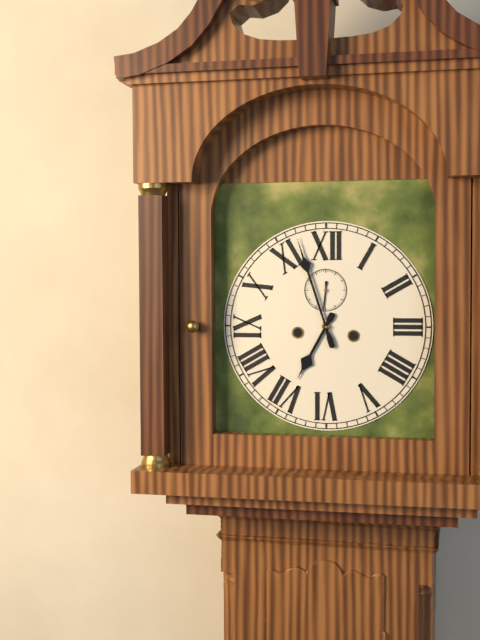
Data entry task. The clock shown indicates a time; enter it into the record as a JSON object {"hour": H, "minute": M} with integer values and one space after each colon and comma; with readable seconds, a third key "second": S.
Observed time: {"hour": 6, "minute": 57}
